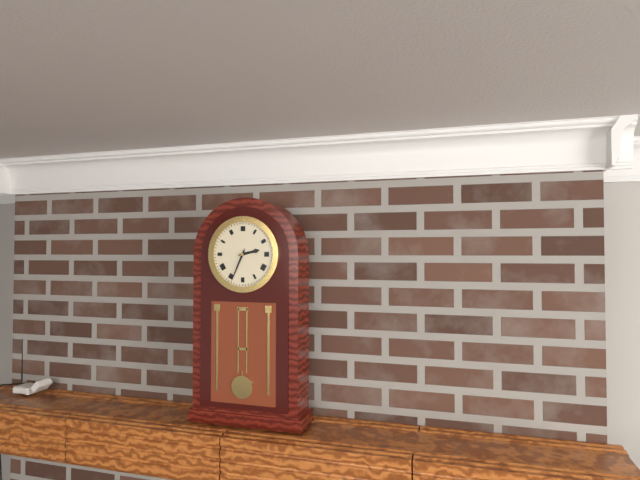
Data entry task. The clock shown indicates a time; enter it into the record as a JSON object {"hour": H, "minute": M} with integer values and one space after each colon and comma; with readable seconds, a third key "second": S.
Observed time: {"hour": 2, "minute": 34}
